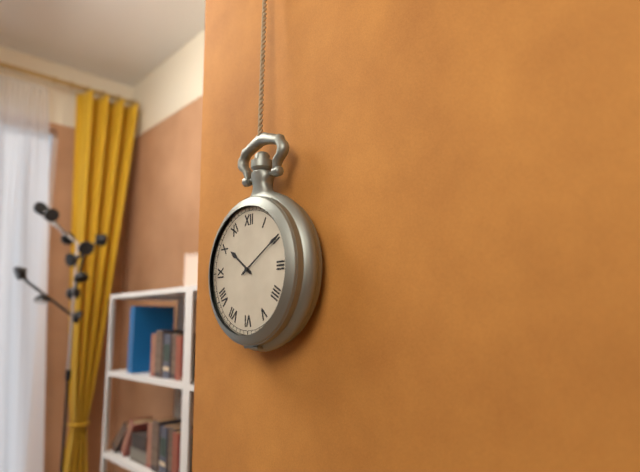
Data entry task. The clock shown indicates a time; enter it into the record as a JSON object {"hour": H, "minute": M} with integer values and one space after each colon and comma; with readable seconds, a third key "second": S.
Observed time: {"hour": 10, "minute": 10}
